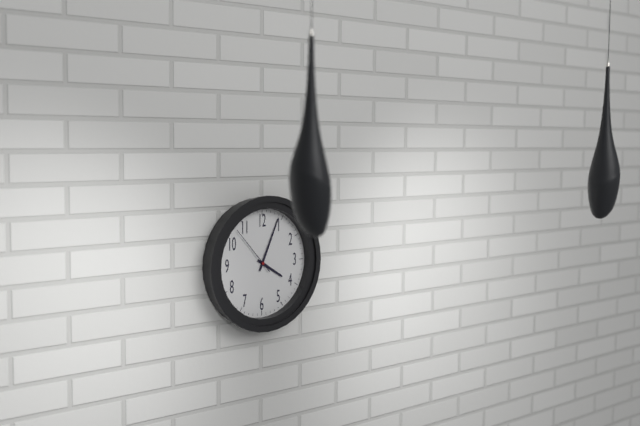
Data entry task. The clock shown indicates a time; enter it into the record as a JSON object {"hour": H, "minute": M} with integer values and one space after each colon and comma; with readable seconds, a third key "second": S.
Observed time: {"hour": 4, "minute": 4, "second": 53}
